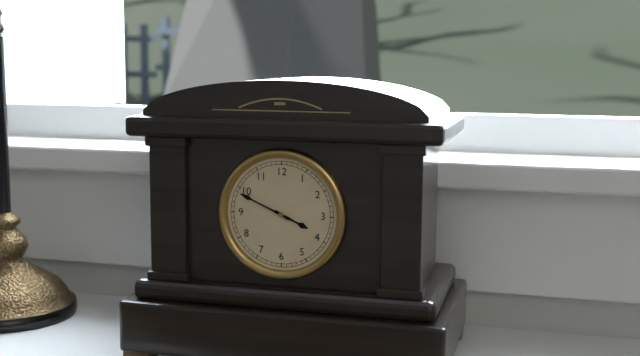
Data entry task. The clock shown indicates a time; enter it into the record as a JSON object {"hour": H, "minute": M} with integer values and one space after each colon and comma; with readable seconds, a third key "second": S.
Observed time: {"hour": 3, "minute": 49}
